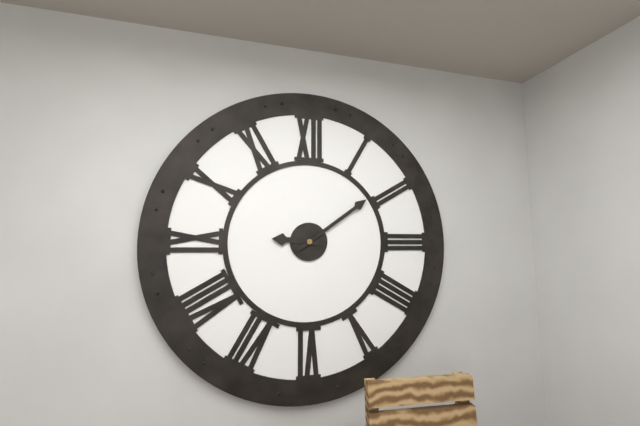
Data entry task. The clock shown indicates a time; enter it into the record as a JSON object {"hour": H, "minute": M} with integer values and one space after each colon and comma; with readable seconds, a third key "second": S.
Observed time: {"hour": 9, "minute": 9}
